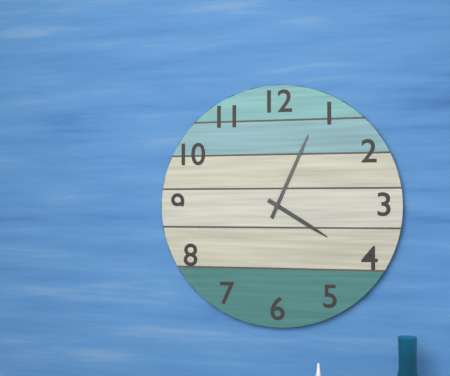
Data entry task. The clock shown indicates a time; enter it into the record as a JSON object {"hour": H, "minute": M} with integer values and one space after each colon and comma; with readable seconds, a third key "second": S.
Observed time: {"hour": 4, "minute": 4}
